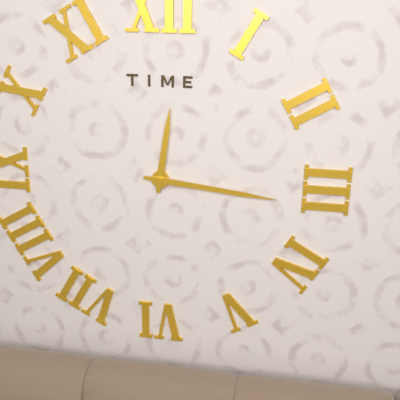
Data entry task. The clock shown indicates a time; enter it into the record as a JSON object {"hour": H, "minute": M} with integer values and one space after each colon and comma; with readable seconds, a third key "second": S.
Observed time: {"hour": 12, "minute": 16}
